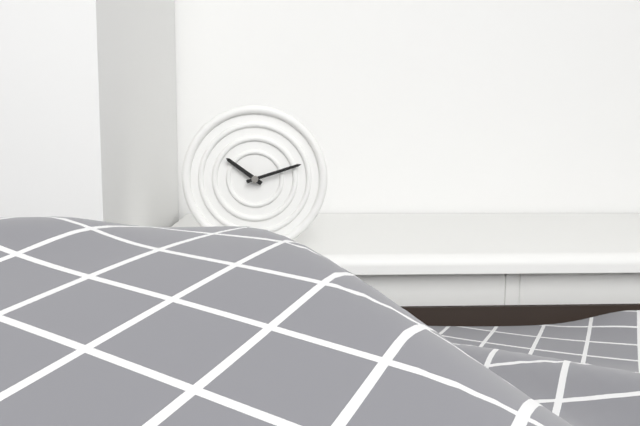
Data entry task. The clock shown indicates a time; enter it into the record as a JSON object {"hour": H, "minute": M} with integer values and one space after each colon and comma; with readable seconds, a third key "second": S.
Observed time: {"hour": 10, "minute": 12}
